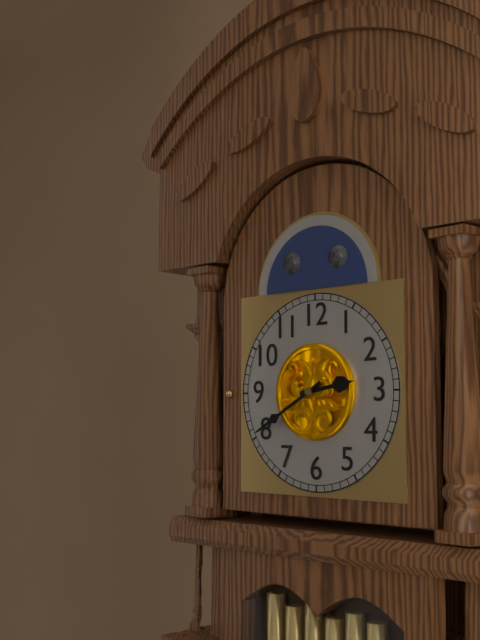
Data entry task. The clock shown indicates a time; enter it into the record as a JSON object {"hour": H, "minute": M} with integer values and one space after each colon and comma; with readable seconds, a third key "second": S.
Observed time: {"hour": 2, "minute": 40}
